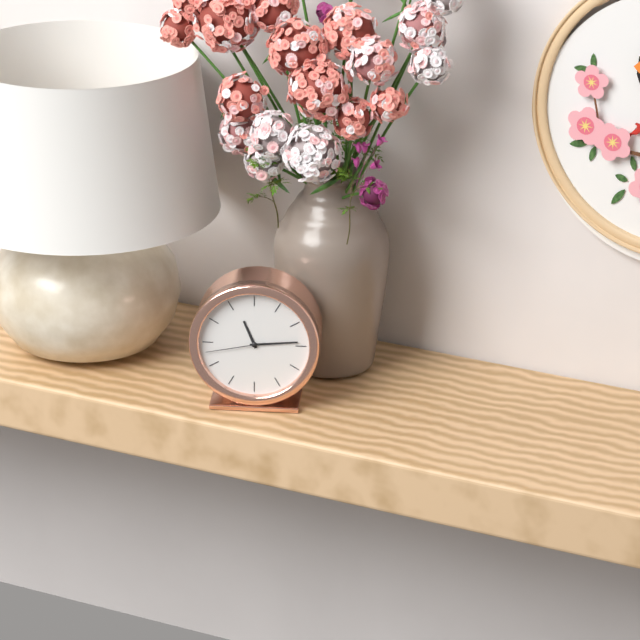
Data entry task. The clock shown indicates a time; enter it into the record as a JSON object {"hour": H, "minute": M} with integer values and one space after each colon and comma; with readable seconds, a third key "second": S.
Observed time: {"hour": 11, "minute": 14, "second": 43}
